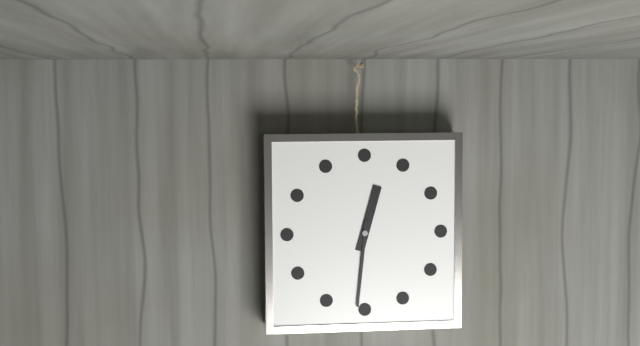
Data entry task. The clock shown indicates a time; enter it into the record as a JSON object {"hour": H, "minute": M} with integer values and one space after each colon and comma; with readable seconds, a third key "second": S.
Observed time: {"hour": 12, "minute": 31}
